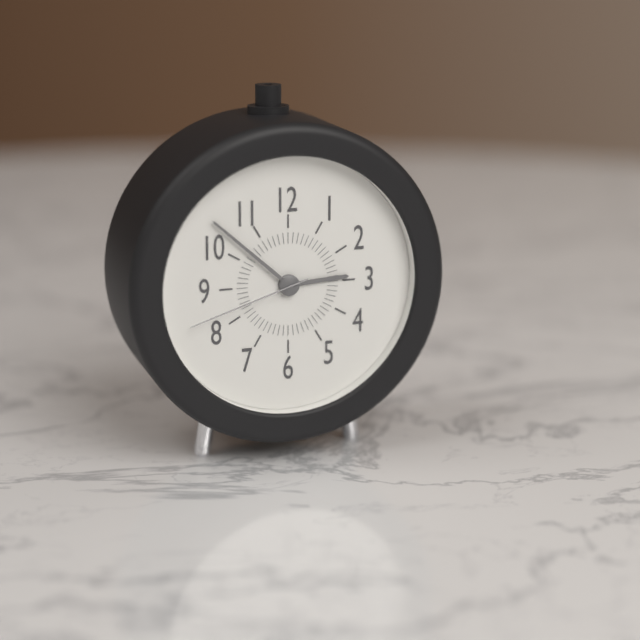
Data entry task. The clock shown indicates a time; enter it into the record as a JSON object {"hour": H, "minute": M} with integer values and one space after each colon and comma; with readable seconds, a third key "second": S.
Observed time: {"hour": 2, "minute": 52, "second": 42}
